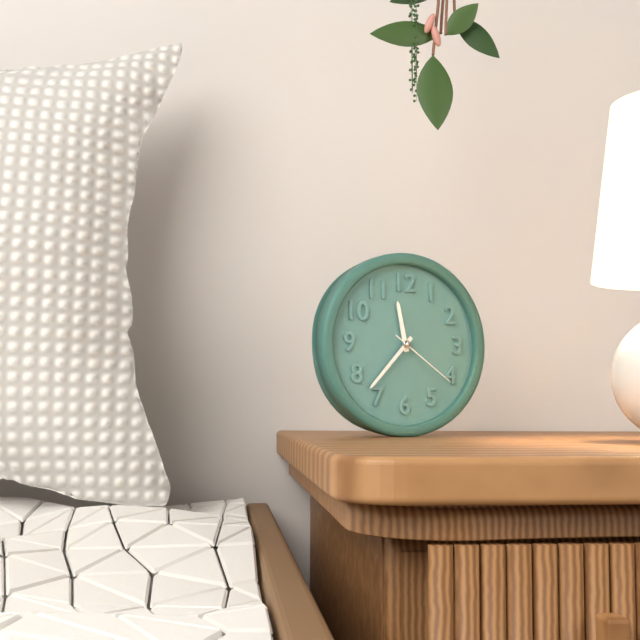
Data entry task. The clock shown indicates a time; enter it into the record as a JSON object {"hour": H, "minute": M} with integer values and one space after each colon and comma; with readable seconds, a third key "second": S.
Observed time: {"hour": 11, "minute": 37, "second": 21}
